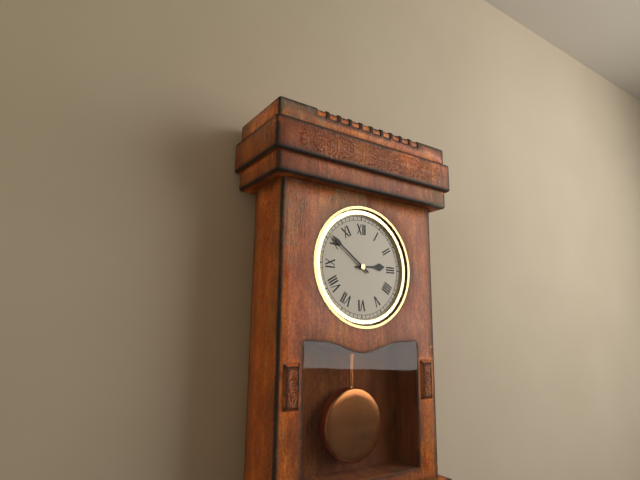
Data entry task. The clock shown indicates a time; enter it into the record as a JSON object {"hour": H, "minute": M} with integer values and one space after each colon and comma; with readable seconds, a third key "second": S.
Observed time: {"hour": 2, "minute": 51}
